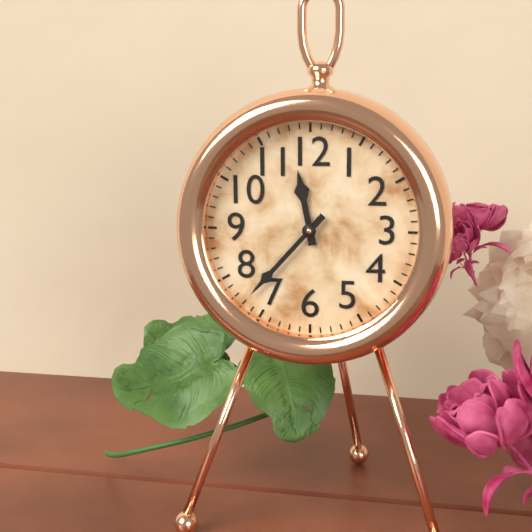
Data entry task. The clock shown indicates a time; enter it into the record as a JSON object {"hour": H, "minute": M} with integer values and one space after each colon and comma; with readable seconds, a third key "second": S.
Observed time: {"hour": 11, "minute": 37}
